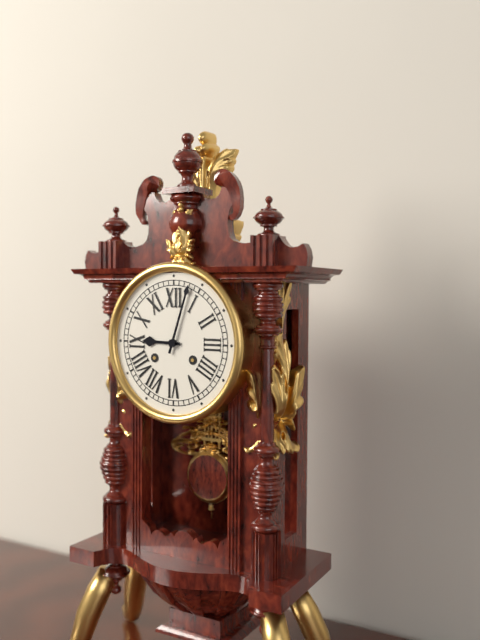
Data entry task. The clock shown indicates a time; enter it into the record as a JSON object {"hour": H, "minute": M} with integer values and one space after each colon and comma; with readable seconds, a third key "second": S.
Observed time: {"hour": 9, "minute": 3}
